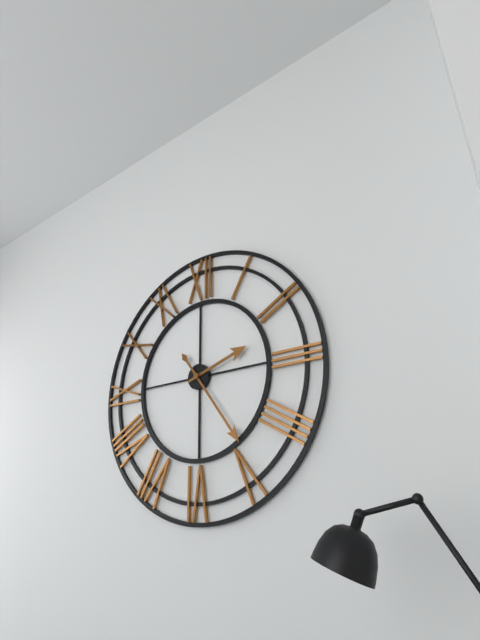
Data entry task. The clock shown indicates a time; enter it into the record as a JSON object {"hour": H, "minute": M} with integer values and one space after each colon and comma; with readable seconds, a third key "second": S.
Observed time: {"hour": 2, "minute": 24}
